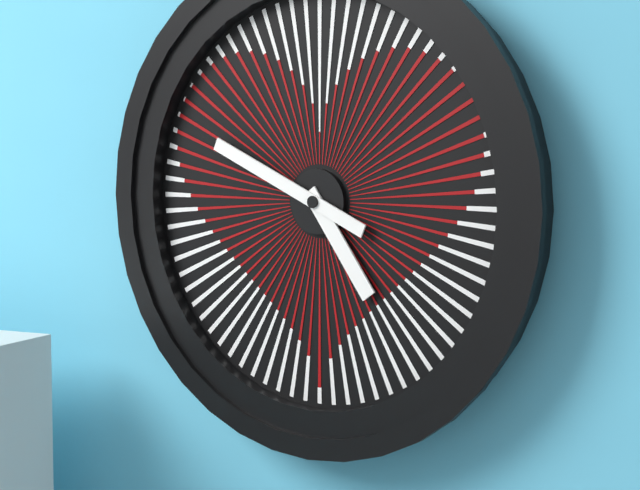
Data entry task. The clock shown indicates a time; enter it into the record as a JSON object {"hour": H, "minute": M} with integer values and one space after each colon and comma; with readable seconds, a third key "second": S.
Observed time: {"hour": 4, "minute": 49}
